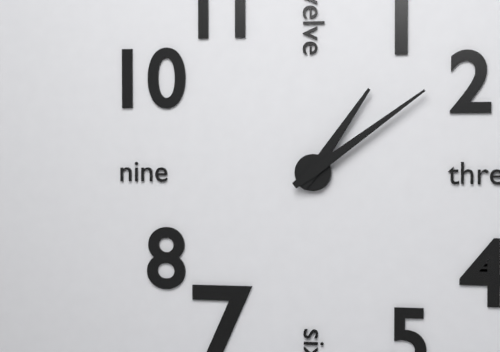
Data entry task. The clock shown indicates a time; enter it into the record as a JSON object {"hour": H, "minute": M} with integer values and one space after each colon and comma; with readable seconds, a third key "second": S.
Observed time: {"hour": 1, "minute": 9}
